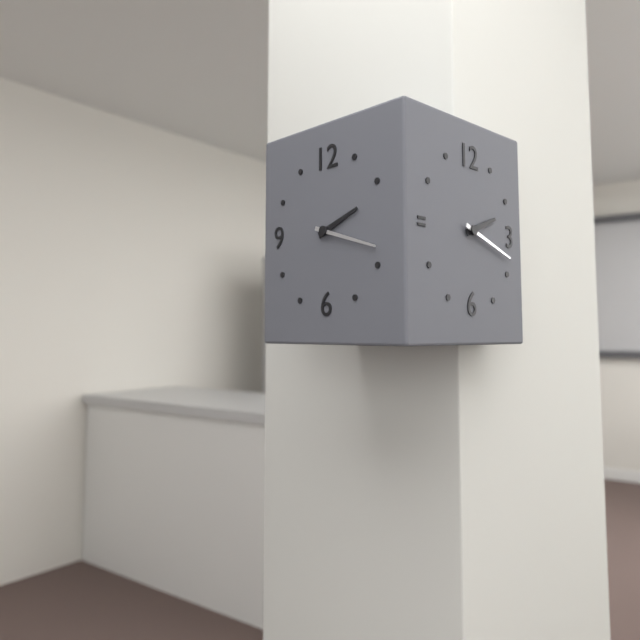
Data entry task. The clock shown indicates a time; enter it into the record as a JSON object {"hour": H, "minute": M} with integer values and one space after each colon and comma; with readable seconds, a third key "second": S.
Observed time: {"hour": 2, "minute": 18}
